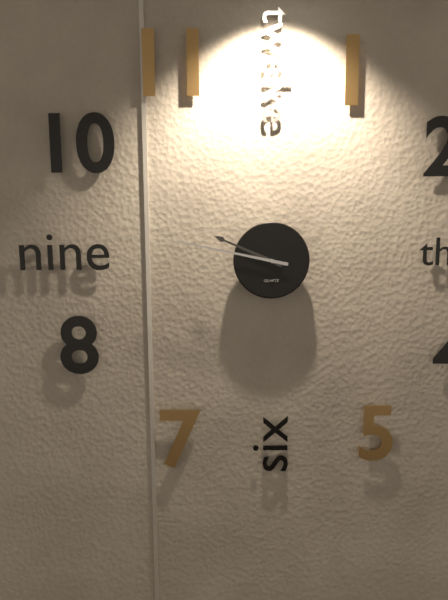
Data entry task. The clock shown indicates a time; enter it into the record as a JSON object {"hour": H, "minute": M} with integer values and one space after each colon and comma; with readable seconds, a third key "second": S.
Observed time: {"hour": 9, "minute": 47}
